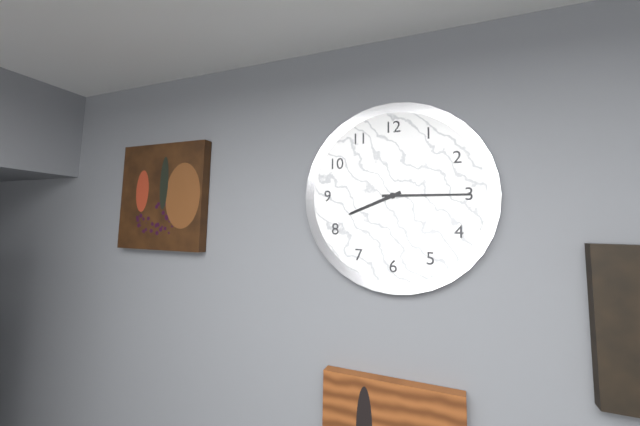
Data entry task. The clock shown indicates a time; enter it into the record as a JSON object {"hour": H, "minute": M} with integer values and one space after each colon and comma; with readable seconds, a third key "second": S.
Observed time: {"hour": 8, "minute": 15}
